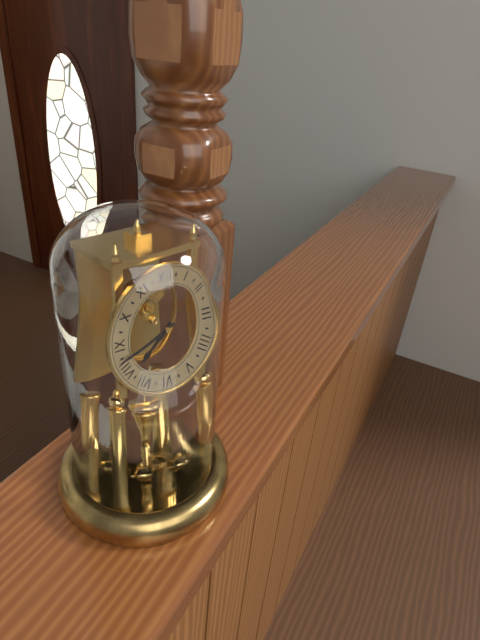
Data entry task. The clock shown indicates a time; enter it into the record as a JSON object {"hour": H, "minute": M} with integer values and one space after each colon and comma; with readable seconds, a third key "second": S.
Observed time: {"hour": 7, "minute": 42}
